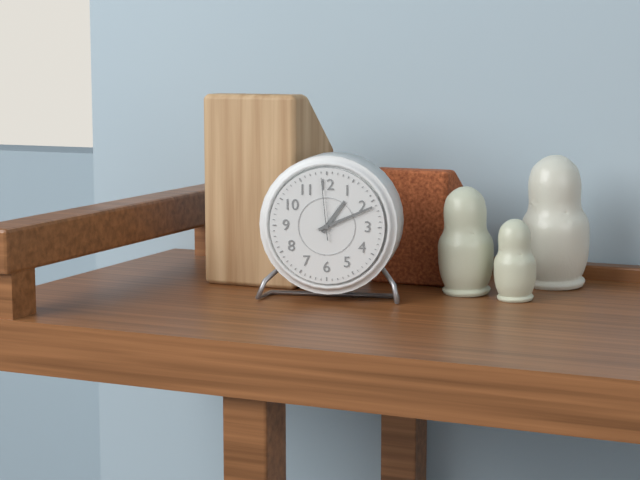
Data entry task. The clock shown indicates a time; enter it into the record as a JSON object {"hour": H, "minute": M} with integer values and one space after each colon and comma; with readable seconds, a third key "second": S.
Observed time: {"hour": 1, "minute": 11, "second": 59}
